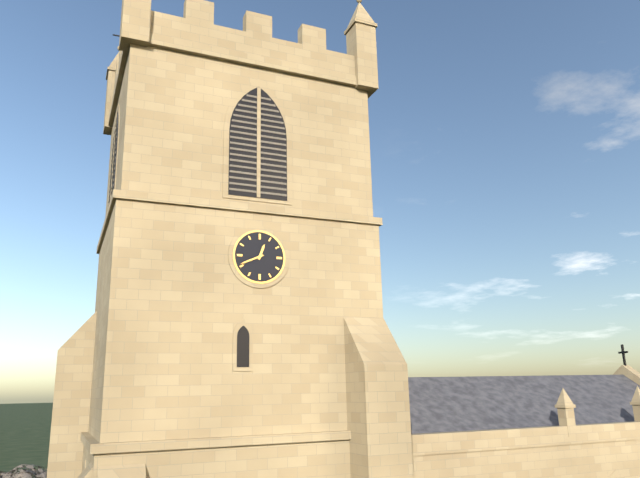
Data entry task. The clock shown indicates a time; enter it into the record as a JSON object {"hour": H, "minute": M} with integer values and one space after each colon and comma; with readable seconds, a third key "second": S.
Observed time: {"hour": 12, "minute": 41}
